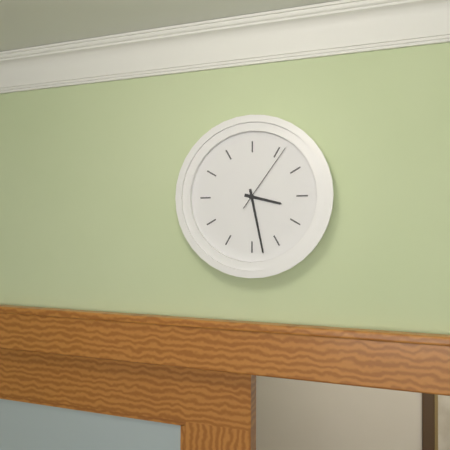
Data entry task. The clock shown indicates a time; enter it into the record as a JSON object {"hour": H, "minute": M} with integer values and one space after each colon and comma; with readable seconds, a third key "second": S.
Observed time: {"hour": 3, "minute": 28, "second": 6}
